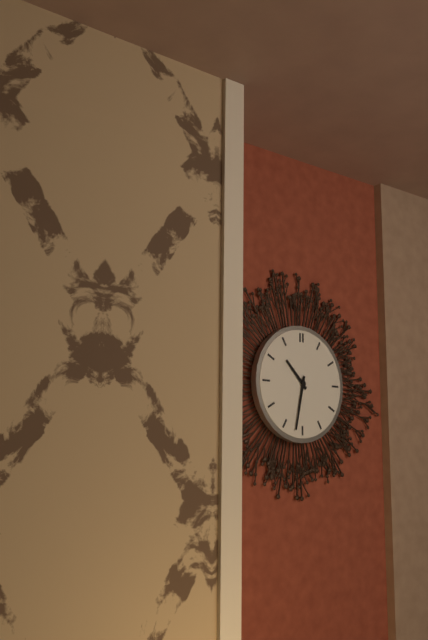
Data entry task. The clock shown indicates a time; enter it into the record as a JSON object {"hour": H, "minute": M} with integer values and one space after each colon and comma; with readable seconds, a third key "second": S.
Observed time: {"hour": 10, "minute": 32}
